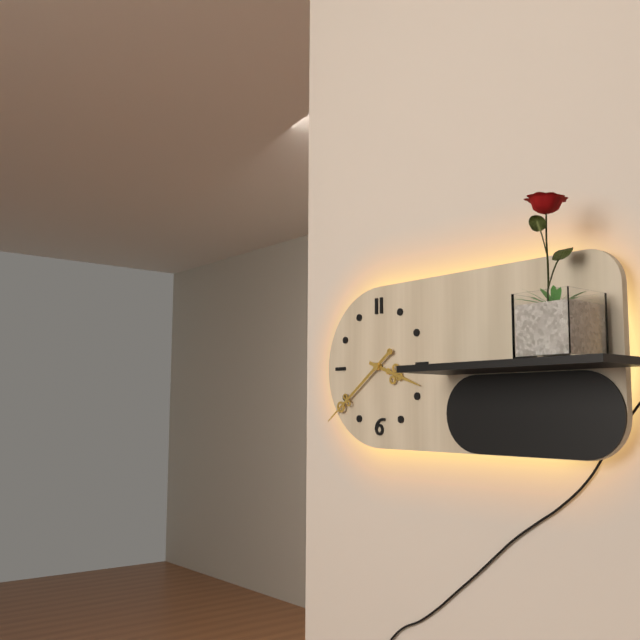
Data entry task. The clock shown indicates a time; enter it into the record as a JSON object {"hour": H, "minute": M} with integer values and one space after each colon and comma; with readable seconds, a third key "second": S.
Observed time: {"hour": 3, "minute": 39}
